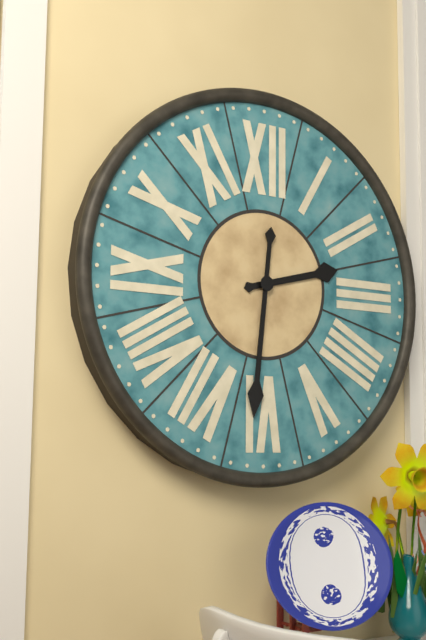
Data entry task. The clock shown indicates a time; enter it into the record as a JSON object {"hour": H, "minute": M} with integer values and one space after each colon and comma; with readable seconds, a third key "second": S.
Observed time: {"hour": 2, "minute": 31}
